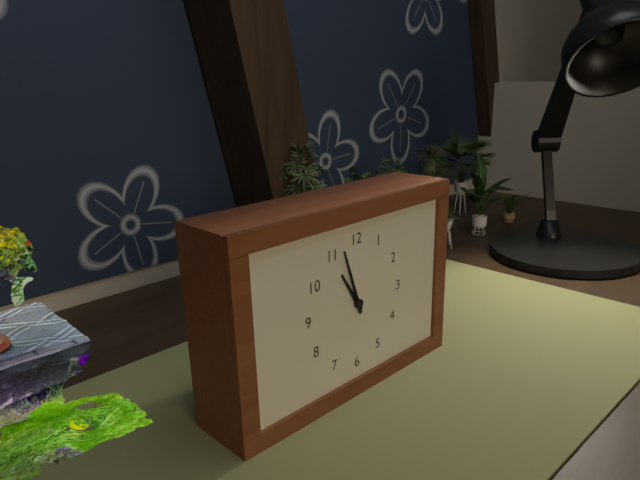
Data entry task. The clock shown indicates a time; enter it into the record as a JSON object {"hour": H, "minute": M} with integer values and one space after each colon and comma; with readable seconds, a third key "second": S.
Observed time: {"hour": 10, "minute": 57}
